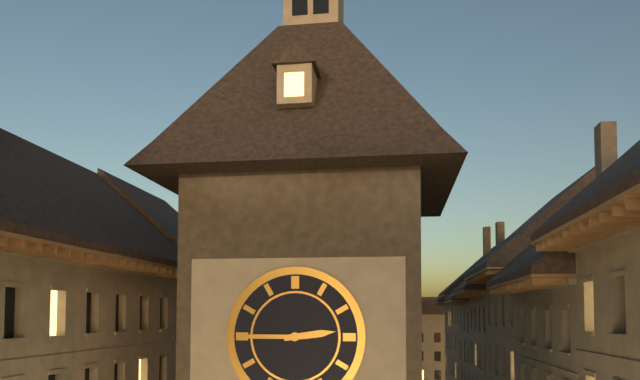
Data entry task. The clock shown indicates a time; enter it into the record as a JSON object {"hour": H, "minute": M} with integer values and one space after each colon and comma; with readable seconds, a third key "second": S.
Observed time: {"hour": 2, "minute": 45}
